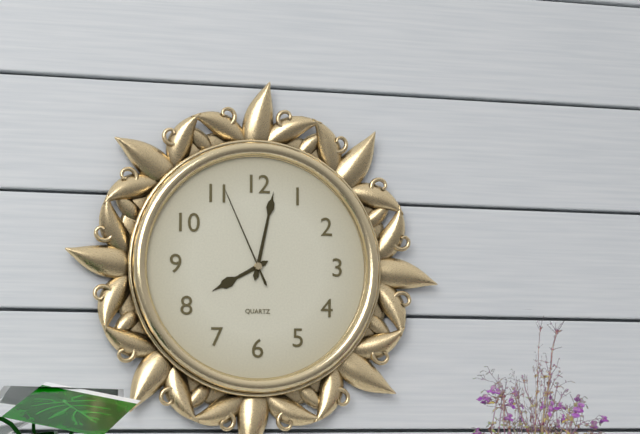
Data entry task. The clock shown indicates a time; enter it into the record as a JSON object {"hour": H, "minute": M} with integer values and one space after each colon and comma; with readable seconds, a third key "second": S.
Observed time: {"hour": 8, "minute": 2, "second": 56}
